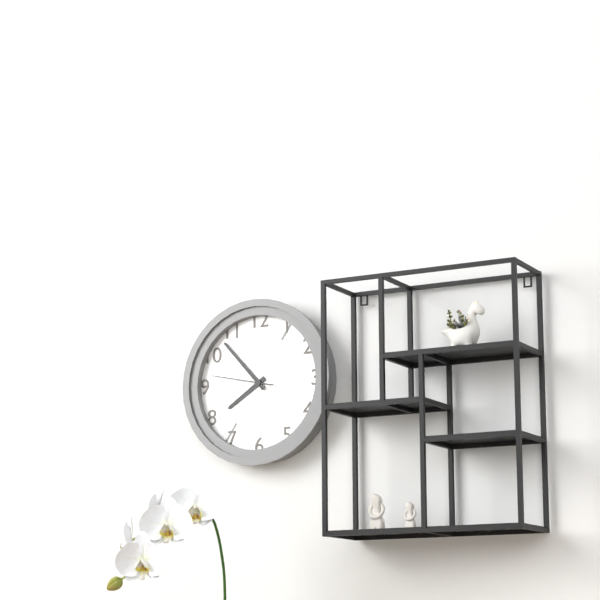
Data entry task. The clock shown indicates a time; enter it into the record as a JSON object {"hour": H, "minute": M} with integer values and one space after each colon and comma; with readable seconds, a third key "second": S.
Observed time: {"hour": 7, "minute": 53, "second": 47}
